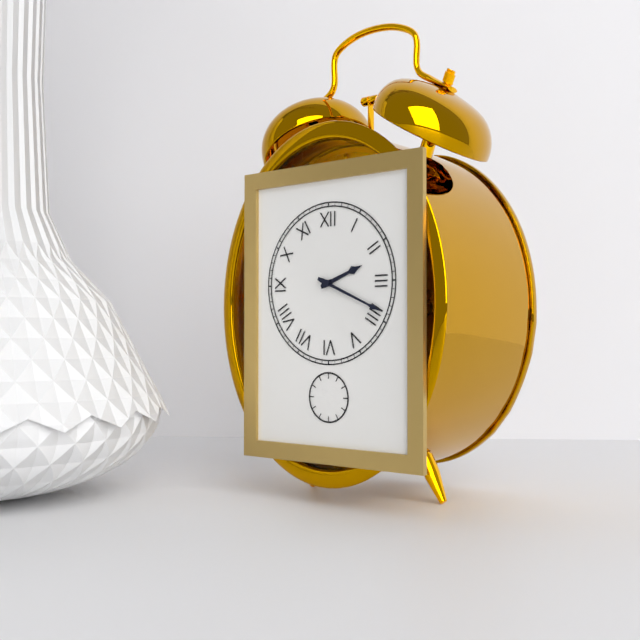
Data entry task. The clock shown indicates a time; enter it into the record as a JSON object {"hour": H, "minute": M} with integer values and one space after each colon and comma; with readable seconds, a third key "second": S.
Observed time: {"hour": 2, "minute": 19}
